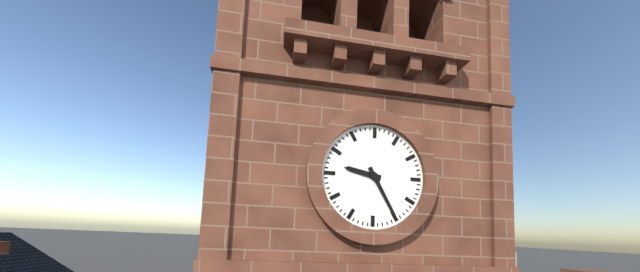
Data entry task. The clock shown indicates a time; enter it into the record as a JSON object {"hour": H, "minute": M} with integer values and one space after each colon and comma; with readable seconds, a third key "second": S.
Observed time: {"hour": 9, "minute": 25}
